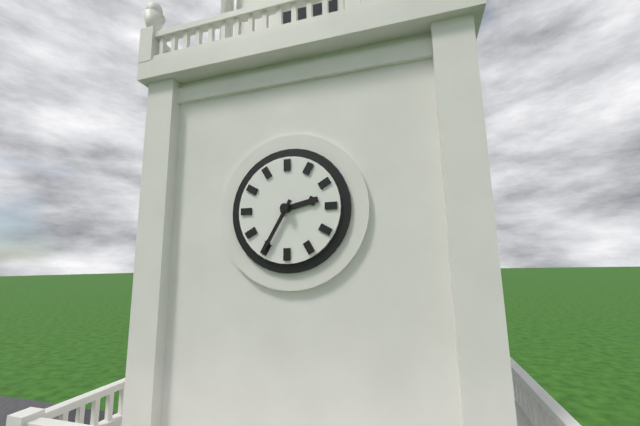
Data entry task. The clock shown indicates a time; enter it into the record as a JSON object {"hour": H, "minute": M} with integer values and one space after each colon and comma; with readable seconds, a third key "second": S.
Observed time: {"hour": 2, "minute": 35}
